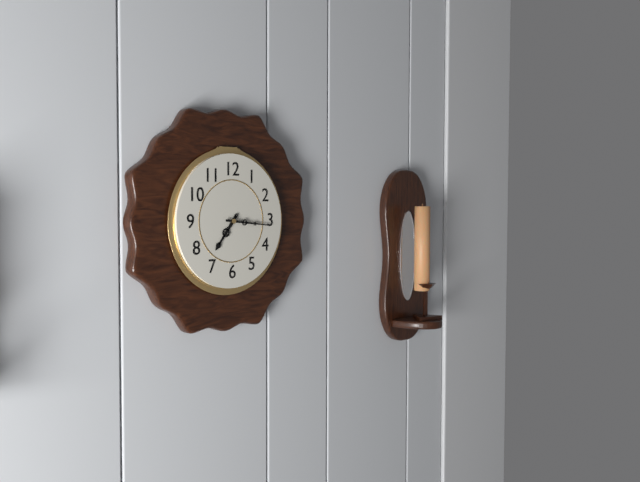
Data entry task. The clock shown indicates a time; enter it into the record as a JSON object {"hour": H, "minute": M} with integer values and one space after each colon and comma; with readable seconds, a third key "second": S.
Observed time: {"hour": 7, "minute": 16}
